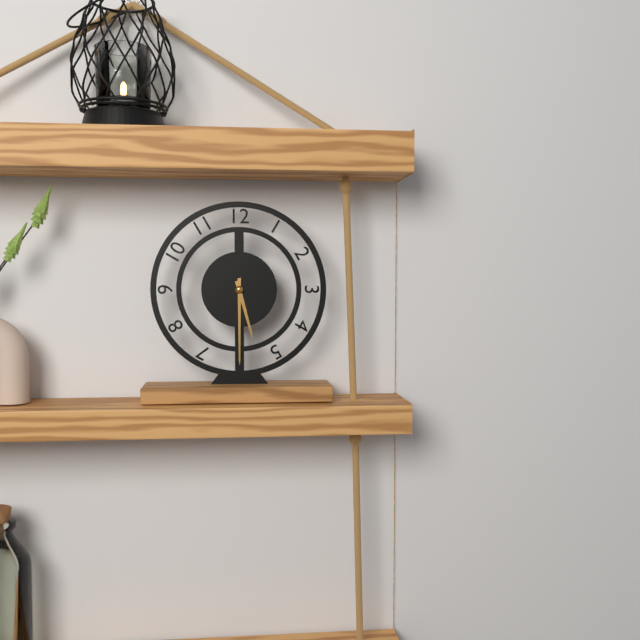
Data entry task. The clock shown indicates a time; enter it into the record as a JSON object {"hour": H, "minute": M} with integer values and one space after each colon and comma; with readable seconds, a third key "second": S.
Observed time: {"hour": 5, "minute": 30}
